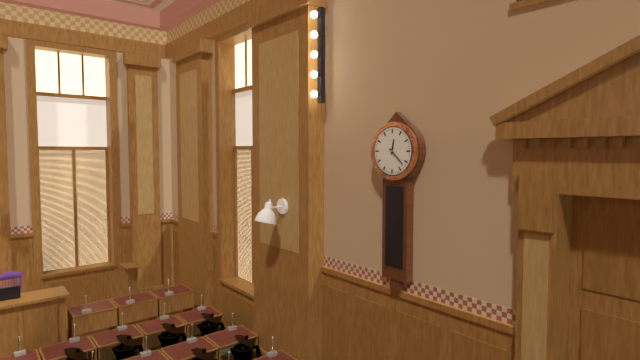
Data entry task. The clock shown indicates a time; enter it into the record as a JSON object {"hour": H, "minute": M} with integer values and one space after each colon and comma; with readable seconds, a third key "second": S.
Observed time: {"hour": 12, "minute": 22}
